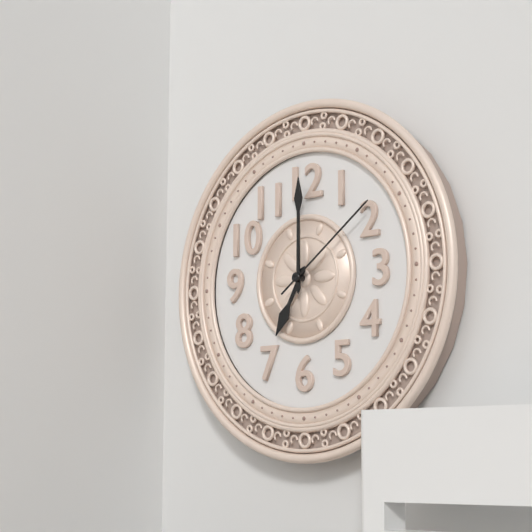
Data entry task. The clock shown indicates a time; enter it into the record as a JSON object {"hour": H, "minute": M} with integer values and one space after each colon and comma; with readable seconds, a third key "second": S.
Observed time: {"hour": 7, "minute": 0, "second": 9}
